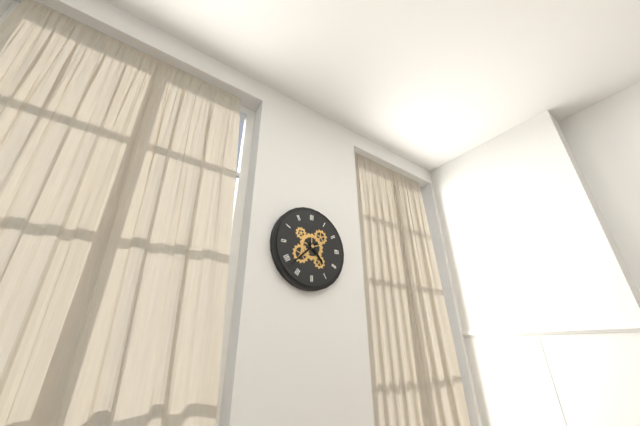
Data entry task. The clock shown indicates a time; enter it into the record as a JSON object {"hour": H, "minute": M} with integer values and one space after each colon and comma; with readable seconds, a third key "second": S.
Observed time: {"hour": 4, "minute": 38}
